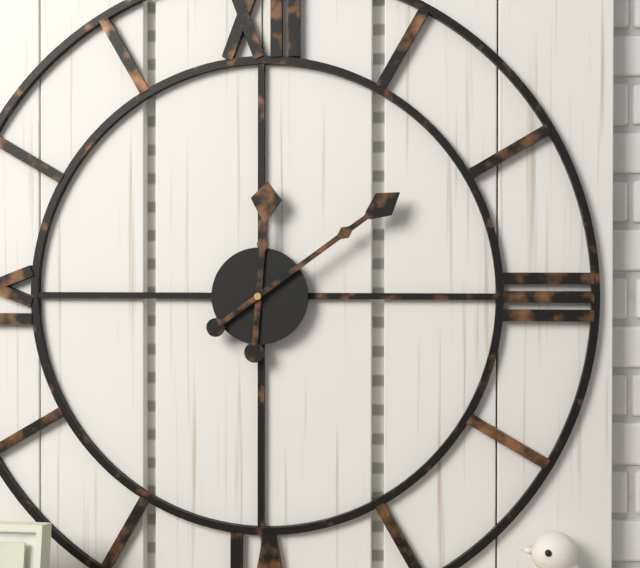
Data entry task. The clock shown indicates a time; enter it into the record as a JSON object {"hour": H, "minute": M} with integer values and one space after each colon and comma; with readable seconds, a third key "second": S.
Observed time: {"hour": 12, "minute": 9}
